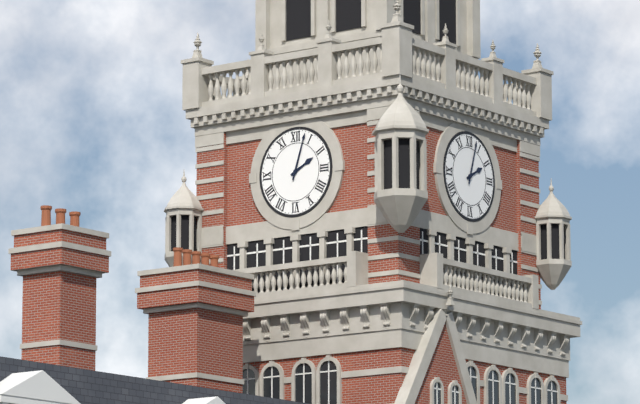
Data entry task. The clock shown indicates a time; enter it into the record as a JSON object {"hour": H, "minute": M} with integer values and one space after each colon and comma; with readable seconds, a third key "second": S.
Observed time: {"hour": 2, "minute": 3}
